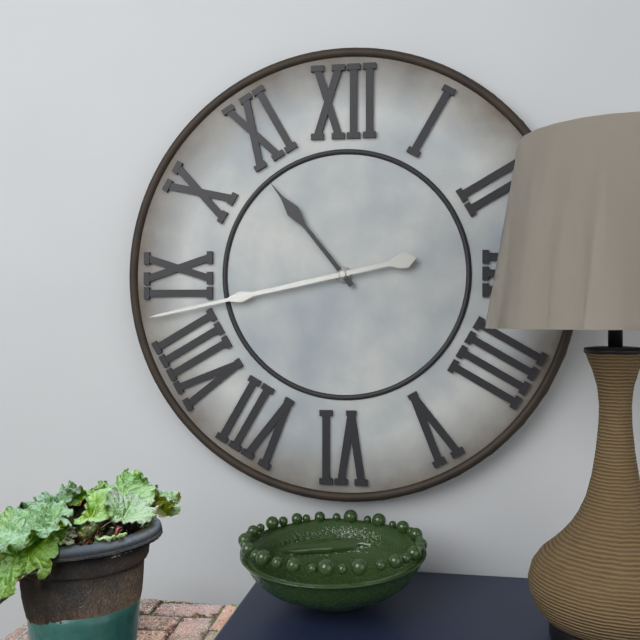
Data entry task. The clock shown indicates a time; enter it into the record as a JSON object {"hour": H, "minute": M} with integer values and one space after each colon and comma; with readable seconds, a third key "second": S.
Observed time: {"hour": 10, "minute": 43}
